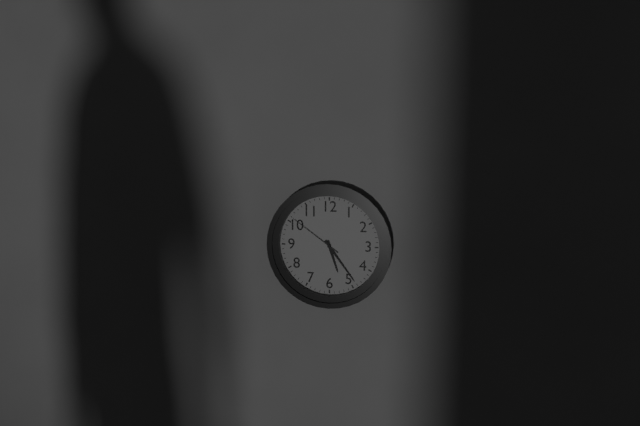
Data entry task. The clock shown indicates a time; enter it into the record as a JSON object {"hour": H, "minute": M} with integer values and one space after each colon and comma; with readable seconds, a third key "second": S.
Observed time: {"hour": 5, "minute": 24, "second": 51}
